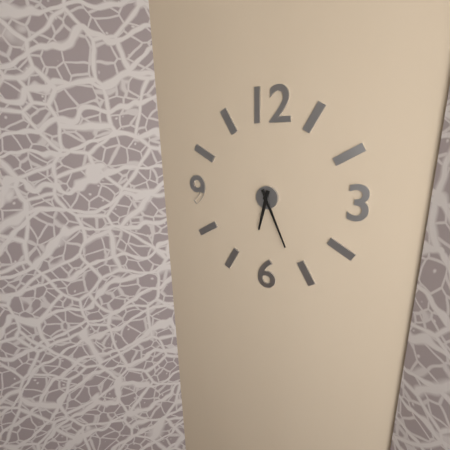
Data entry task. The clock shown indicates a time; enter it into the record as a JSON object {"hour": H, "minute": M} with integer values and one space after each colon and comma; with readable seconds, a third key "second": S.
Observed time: {"hour": 6, "minute": 26}
